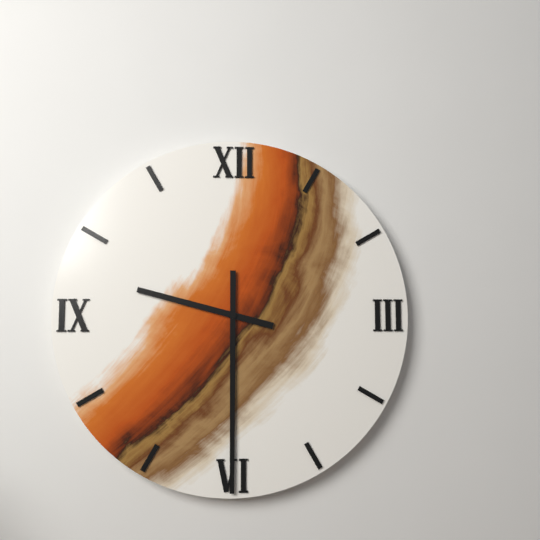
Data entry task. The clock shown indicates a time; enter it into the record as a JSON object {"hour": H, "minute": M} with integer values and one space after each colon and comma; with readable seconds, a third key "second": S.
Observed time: {"hour": 9, "minute": 30}
